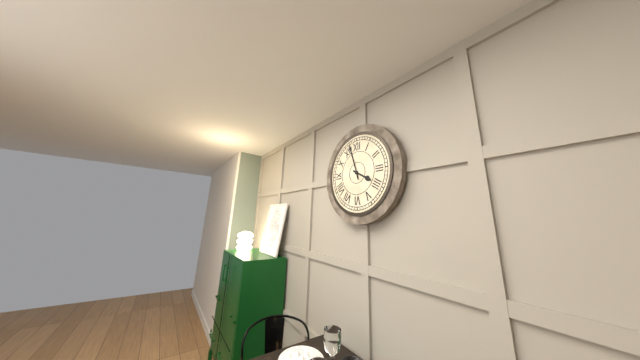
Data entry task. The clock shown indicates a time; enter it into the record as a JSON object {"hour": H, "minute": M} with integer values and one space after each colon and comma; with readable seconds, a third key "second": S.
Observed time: {"hour": 3, "minute": 57}
